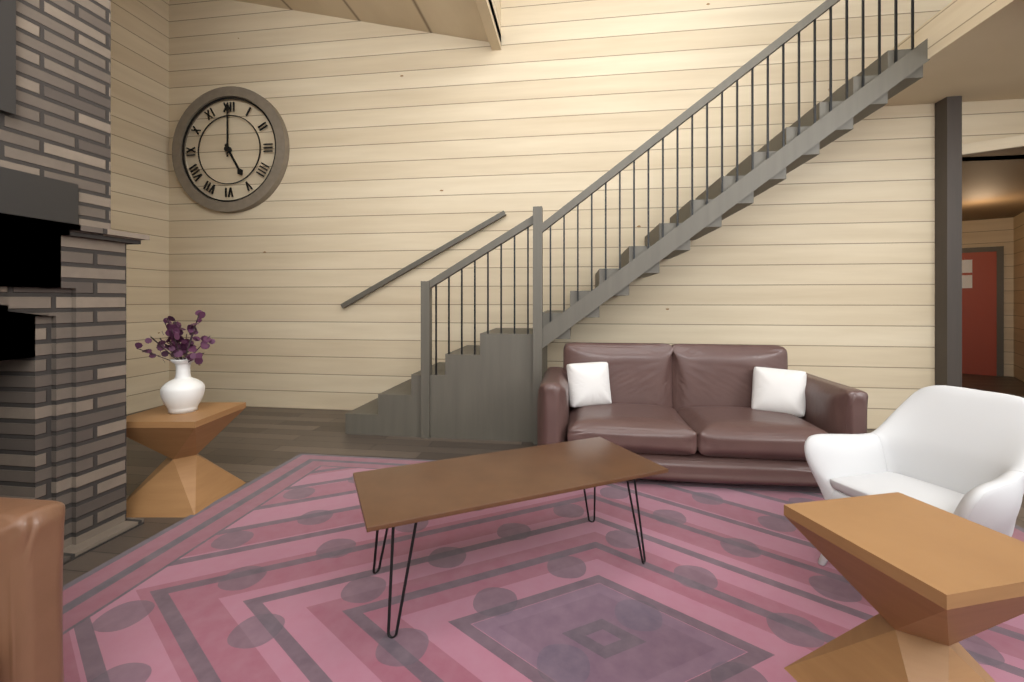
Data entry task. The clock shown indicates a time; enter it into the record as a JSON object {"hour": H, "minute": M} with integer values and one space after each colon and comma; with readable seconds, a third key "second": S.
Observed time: {"hour": 5, "minute": 0}
